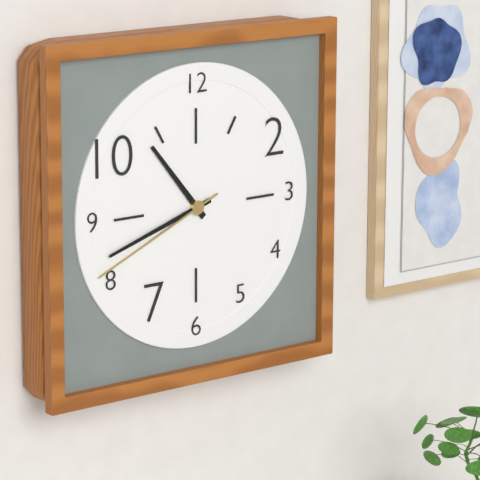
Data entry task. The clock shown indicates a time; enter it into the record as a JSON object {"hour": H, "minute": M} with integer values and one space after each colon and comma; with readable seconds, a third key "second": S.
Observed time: {"hour": 10, "minute": 42, "second": 41}
